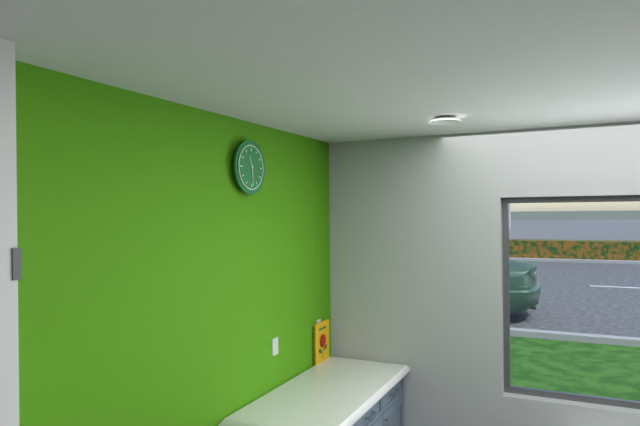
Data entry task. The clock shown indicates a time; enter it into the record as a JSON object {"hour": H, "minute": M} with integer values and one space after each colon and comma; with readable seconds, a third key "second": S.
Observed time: {"hour": 11, "minute": 29}
